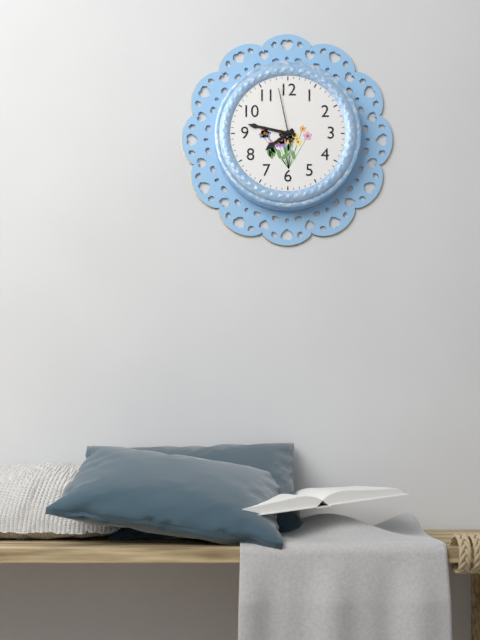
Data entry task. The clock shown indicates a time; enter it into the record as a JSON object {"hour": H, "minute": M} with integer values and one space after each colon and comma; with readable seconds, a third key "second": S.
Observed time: {"hour": 7, "minute": 47, "second": 58}
